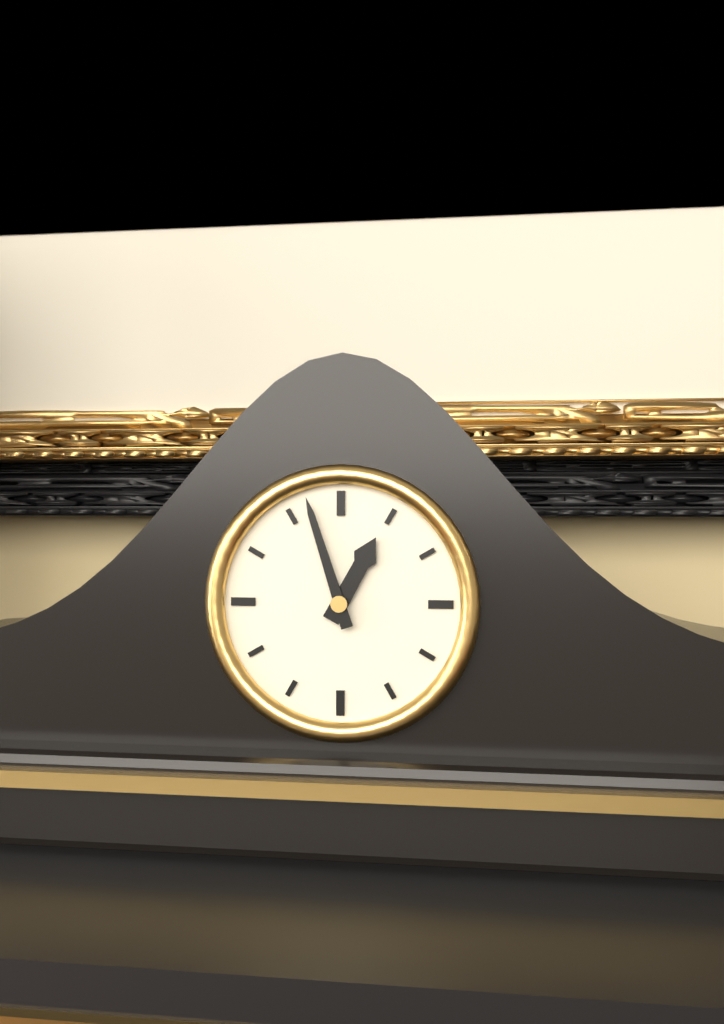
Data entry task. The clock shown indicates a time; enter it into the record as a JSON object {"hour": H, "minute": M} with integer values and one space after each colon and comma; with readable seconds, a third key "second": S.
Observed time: {"hour": 12, "minute": 57}
